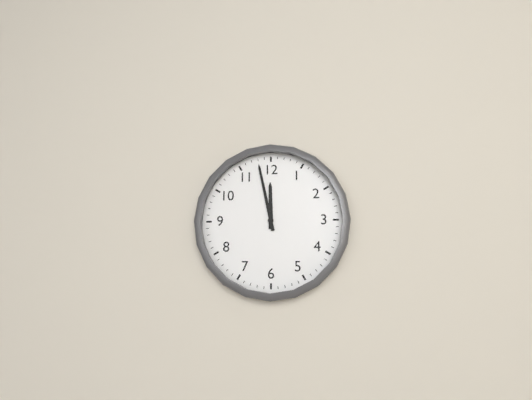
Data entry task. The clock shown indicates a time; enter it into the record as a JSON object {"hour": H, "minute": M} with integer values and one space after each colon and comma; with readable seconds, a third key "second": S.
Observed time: {"hour": 11, "minute": 58}
